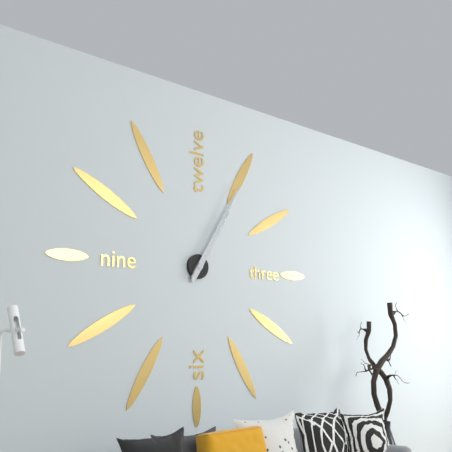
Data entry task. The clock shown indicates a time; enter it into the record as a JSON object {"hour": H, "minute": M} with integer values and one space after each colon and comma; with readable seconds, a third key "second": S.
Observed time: {"hour": 1, "minute": 5}
